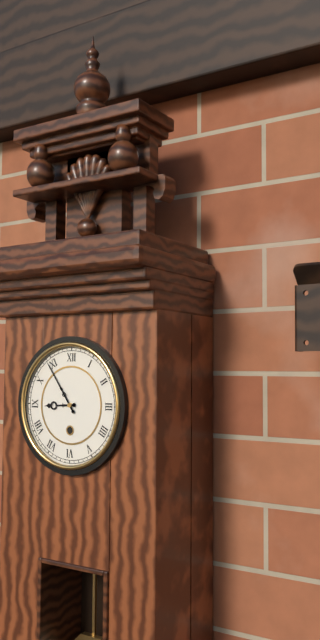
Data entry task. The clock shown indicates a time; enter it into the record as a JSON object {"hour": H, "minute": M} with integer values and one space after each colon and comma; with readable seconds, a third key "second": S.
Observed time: {"hour": 8, "minute": 54}
